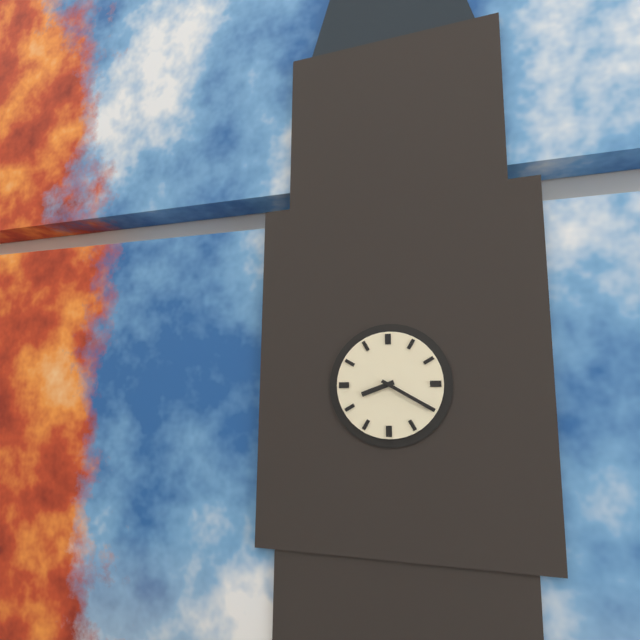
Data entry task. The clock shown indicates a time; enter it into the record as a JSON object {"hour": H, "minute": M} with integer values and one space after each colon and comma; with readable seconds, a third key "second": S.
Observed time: {"hour": 8, "minute": 20}
